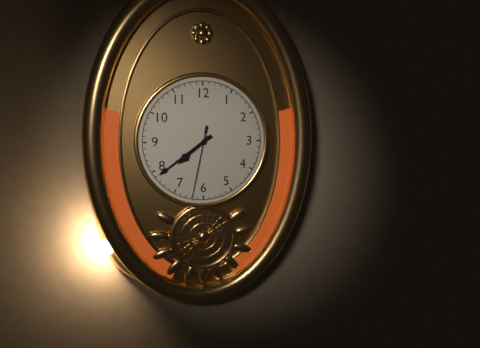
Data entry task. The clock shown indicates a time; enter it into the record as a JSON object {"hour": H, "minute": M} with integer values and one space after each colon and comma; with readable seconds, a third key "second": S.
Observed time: {"hour": 7, "minute": 39, "second": 32}
